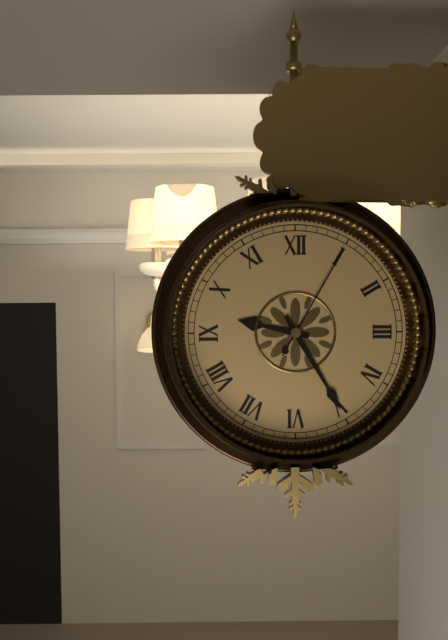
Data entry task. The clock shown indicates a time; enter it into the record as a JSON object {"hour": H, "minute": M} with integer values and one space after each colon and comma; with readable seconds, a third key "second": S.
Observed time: {"hour": 9, "minute": 25, "second": 5}
